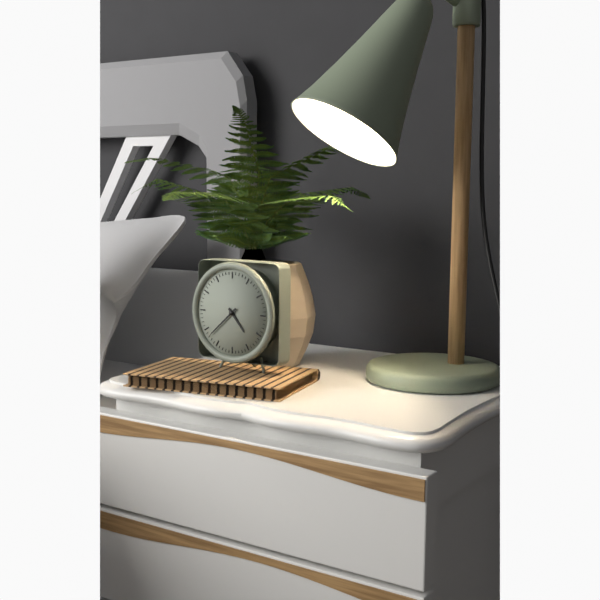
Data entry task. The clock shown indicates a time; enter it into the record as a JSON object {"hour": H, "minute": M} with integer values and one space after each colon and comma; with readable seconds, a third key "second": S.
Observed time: {"hour": 4, "minute": 38}
